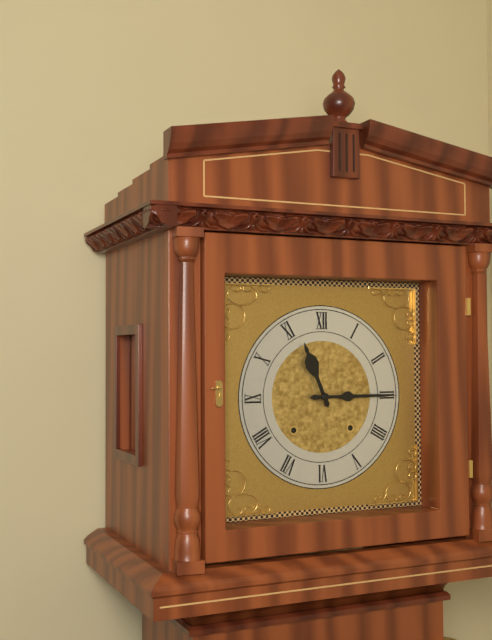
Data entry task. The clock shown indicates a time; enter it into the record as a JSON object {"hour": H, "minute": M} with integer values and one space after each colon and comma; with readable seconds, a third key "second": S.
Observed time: {"hour": 11, "minute": 15}
